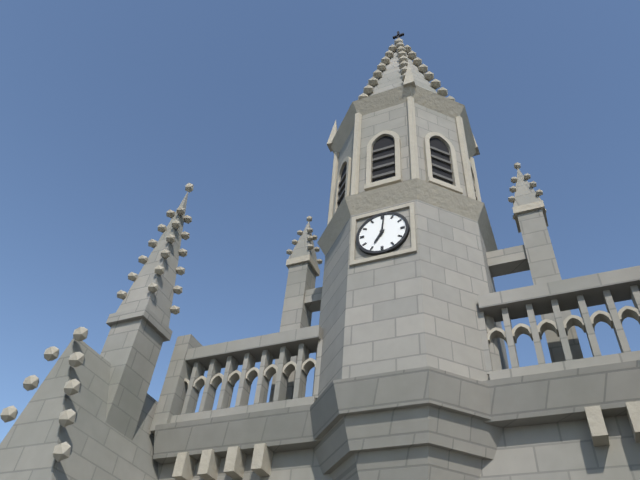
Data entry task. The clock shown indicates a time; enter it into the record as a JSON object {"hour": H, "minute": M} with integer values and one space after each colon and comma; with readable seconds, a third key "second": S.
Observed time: {"hour": 7, "minute": 1}
